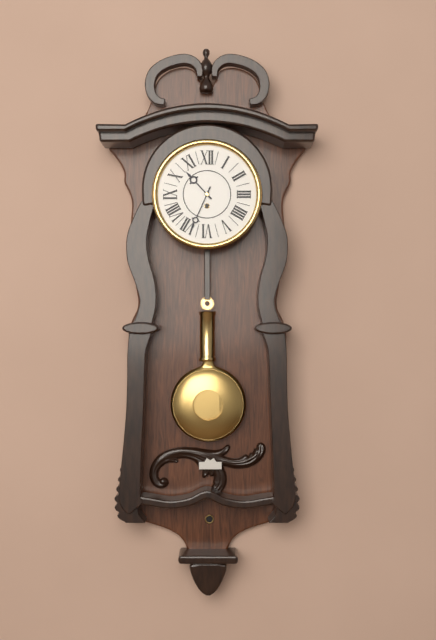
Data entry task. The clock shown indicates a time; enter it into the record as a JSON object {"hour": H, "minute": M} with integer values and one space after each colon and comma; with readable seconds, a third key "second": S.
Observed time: {"hour": 10, "minute": 34}
